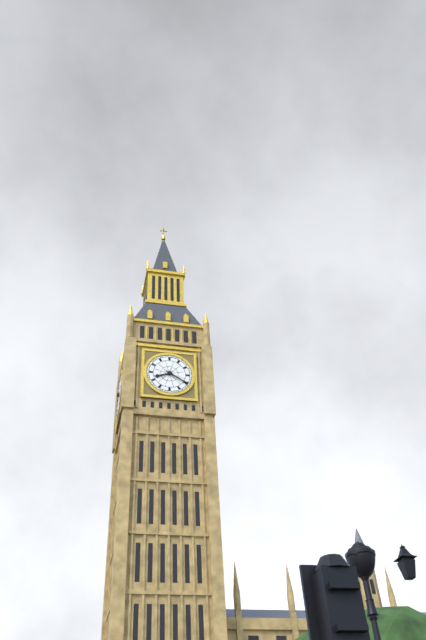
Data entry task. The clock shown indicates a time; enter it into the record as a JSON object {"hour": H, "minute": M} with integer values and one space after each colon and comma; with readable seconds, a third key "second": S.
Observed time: {"hour": 8, "minute": 20}
